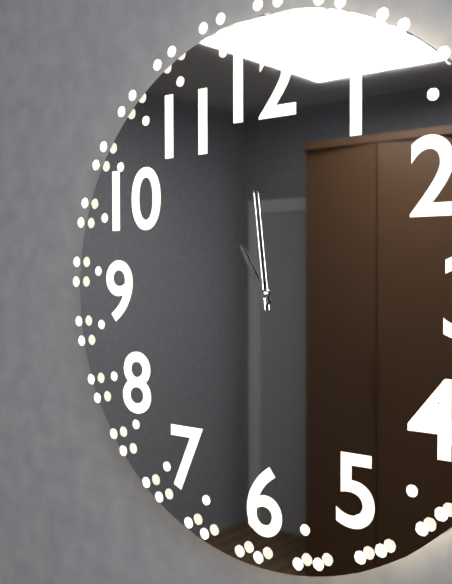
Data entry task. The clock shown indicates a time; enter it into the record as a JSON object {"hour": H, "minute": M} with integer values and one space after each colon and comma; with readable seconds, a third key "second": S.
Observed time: {"hour": 10, "minute": 59}
